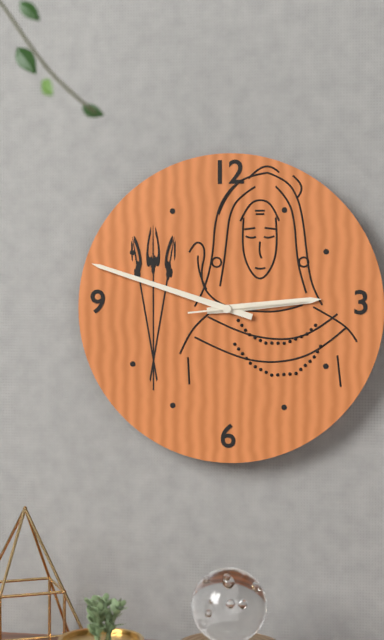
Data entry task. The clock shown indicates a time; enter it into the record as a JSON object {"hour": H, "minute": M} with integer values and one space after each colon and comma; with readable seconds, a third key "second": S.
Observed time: {"hour": 2, "minute": 48, "second": 14}
